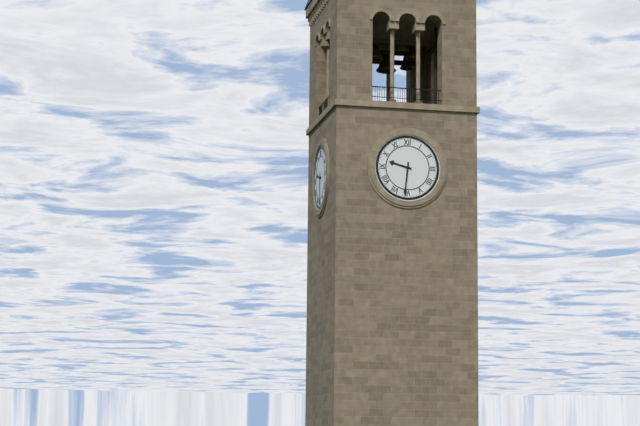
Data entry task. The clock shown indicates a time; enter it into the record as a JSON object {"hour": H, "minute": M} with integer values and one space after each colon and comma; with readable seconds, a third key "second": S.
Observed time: {"hour": 9, "minute": 31}
